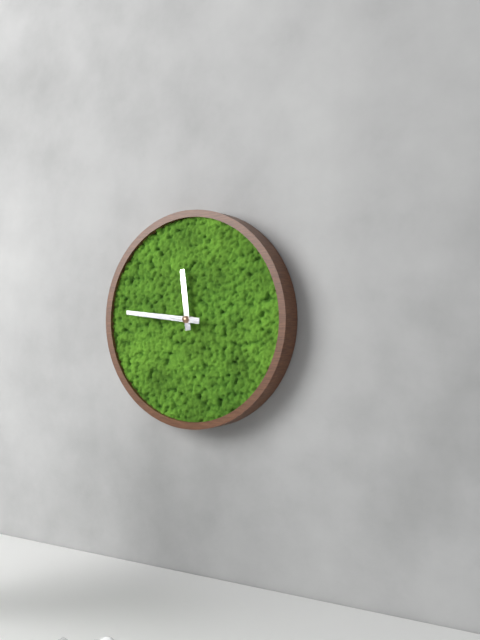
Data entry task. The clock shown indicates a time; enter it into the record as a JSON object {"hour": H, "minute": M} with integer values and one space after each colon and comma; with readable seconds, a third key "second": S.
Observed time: {"hour": 11, "minute": 46}
